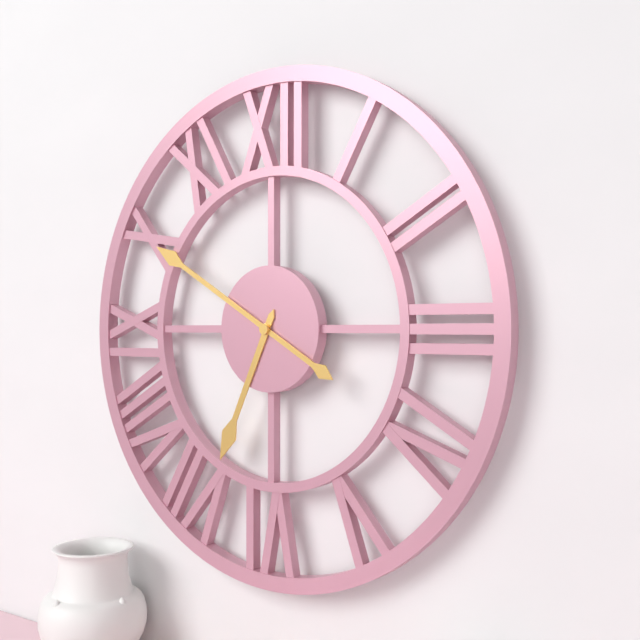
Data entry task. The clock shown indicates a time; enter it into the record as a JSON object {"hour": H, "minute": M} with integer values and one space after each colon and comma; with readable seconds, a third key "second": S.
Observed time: {"hour": 6, "minute": 50}
